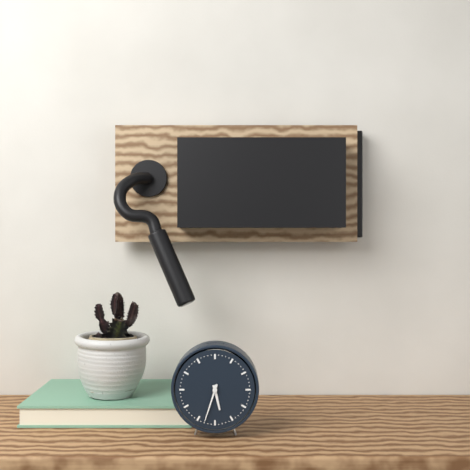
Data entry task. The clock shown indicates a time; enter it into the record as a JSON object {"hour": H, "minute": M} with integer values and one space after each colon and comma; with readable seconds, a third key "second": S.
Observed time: {"hour": 5, "minute": 33}
